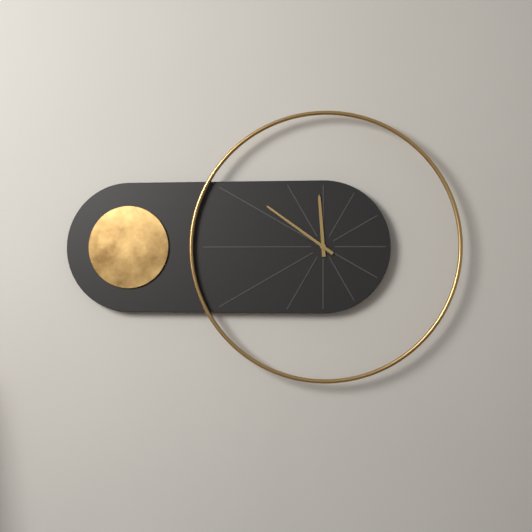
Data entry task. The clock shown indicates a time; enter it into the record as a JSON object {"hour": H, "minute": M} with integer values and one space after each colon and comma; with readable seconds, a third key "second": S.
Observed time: {"hour": 11, "minute": 51}
